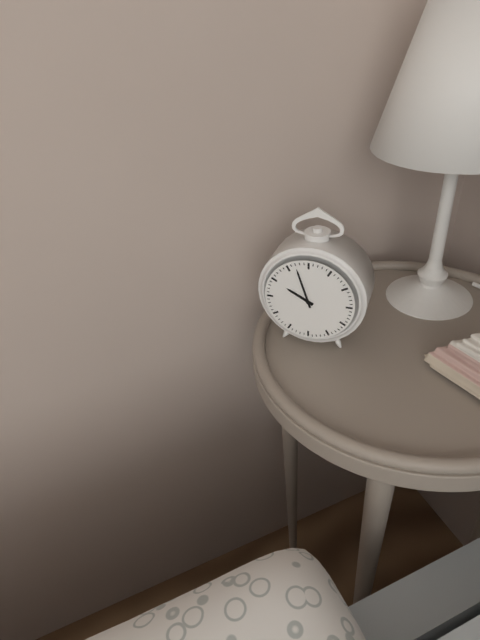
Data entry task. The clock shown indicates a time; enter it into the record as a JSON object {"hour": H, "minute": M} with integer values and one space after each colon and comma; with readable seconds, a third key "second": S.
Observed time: {"hour": 9, "minute": 57}
